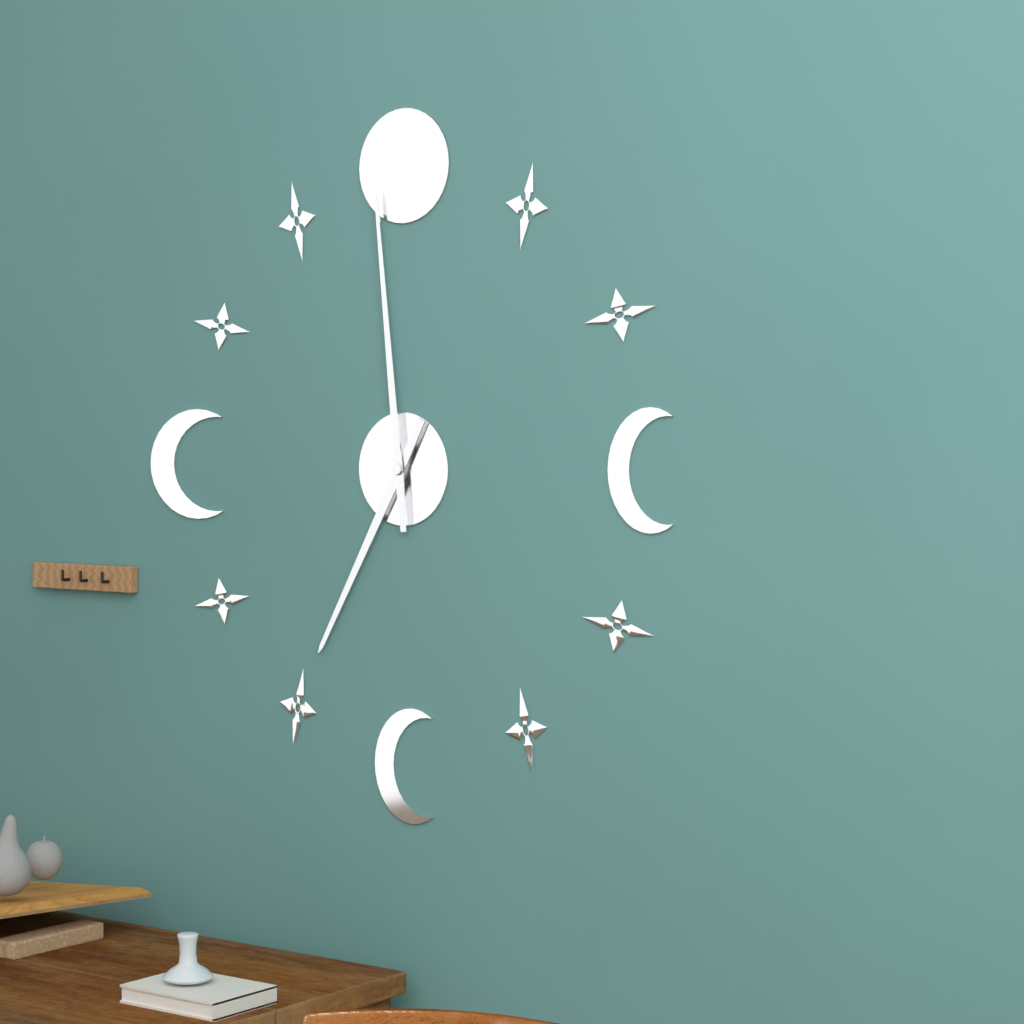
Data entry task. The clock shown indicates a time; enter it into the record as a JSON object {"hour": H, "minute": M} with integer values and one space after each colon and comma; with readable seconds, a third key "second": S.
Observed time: {"hour": 6, "minute": 59}
